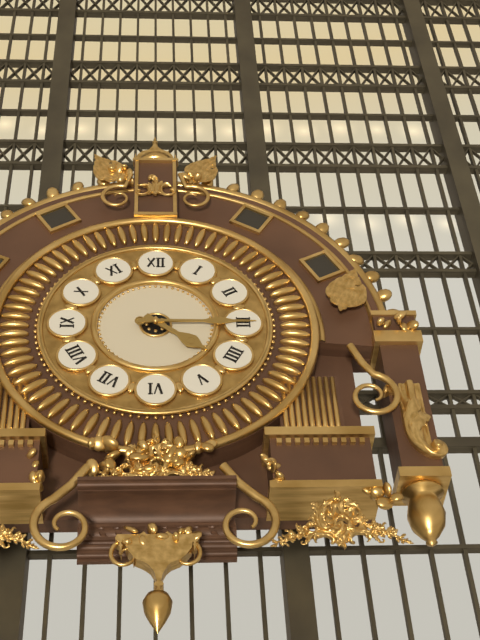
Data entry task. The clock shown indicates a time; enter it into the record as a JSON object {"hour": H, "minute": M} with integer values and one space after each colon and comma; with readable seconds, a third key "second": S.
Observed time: {"hour": 4, "minute": 15}
